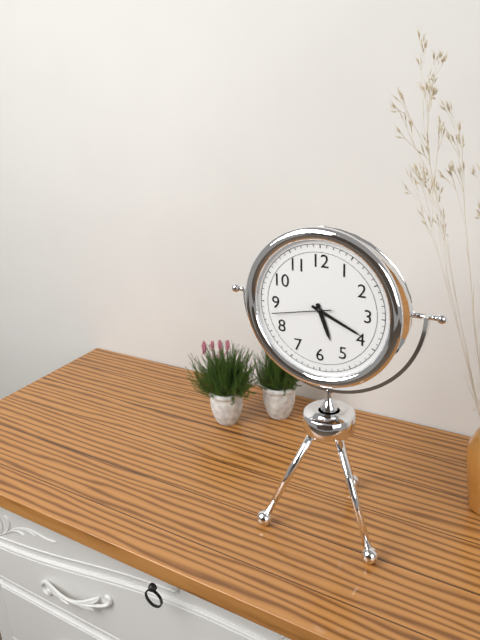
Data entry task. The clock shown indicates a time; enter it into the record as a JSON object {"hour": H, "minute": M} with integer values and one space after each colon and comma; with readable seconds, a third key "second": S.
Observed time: {"hour": 5, "minute": 19, "second": 43}
